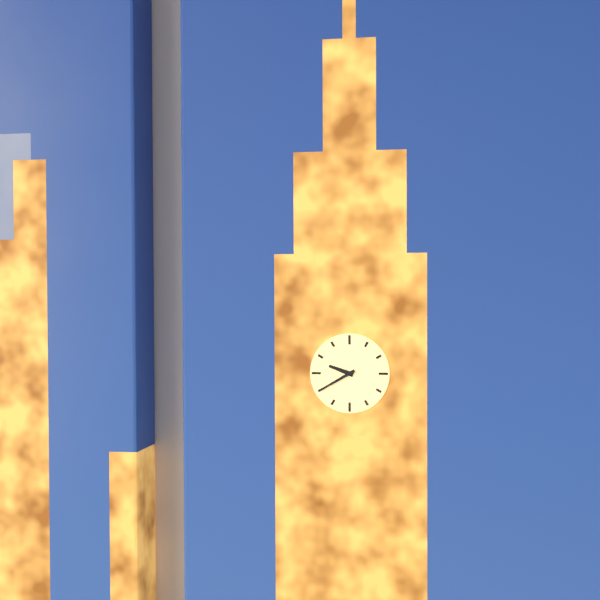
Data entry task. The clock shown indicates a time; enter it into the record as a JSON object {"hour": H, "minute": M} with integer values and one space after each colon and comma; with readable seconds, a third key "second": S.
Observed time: {"hour": 9, "minute": 40}
